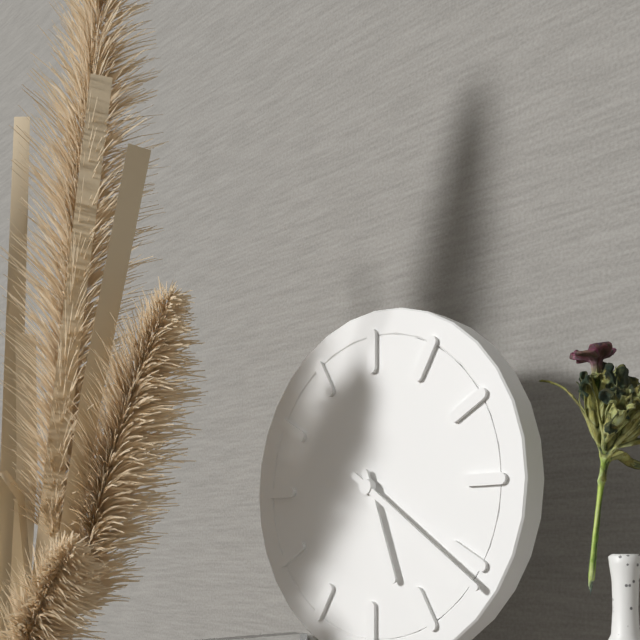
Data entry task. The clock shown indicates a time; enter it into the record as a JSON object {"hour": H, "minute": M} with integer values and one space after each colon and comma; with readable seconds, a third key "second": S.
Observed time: {"hour": 5, "minute": 21}
